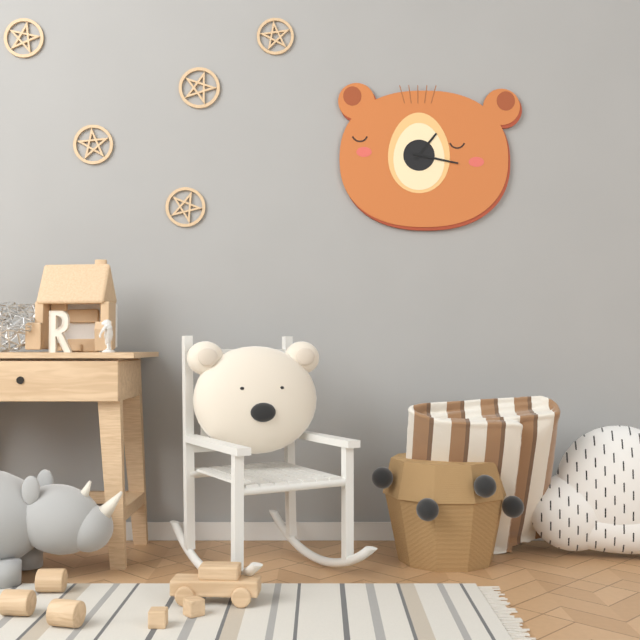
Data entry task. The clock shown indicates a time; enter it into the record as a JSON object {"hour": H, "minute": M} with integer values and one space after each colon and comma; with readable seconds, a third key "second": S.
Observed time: {"hour": 1, "minute": 17}
